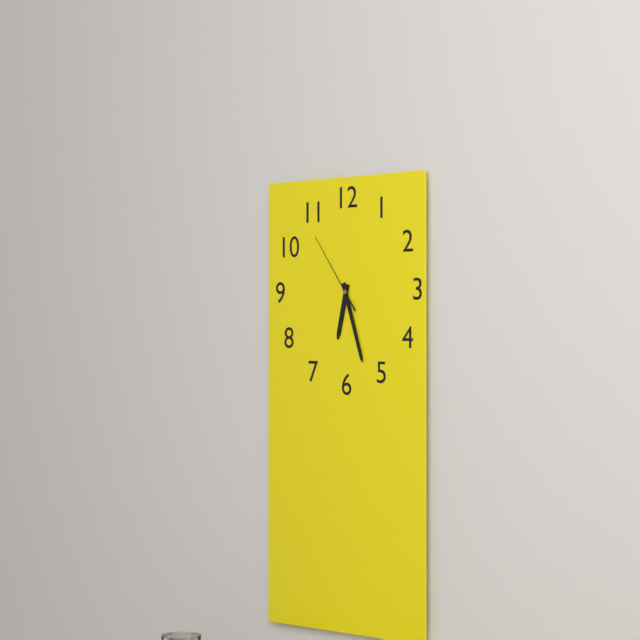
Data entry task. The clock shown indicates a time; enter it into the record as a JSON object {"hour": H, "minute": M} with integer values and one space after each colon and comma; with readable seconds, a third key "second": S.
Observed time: {"hour": 6, "minute": 27, "second": 54}
